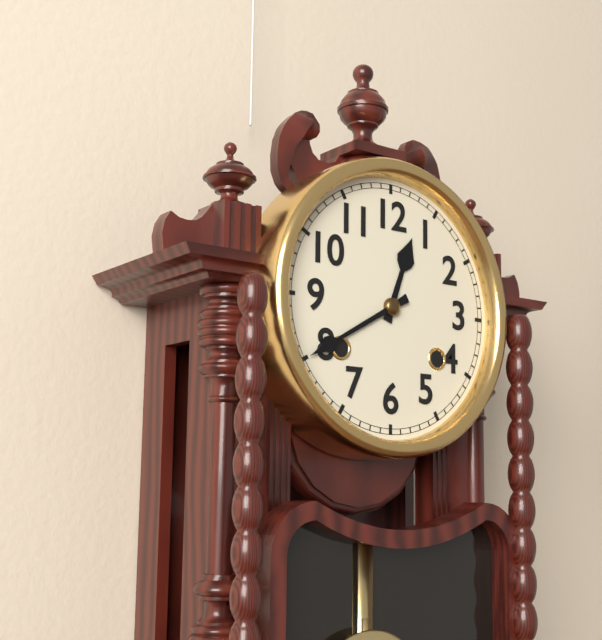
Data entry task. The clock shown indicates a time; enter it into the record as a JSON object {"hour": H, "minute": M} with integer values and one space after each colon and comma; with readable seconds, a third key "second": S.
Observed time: {"hour": 12, "minute": 40}
